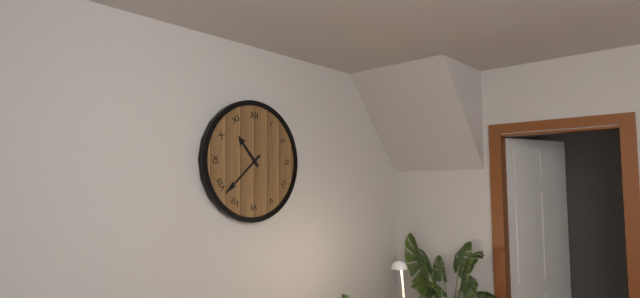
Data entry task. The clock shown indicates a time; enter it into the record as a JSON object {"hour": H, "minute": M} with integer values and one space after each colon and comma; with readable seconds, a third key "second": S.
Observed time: {"hour": 10, "minute": 38}
